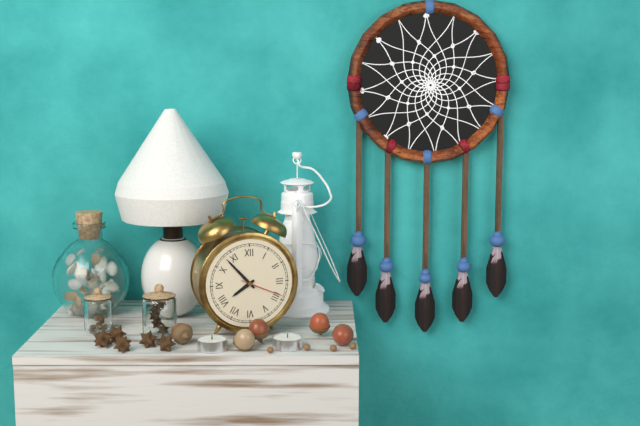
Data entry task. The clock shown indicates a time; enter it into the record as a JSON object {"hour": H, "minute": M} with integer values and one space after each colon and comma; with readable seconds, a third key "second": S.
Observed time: {"hour": 7, "minute": 53}
